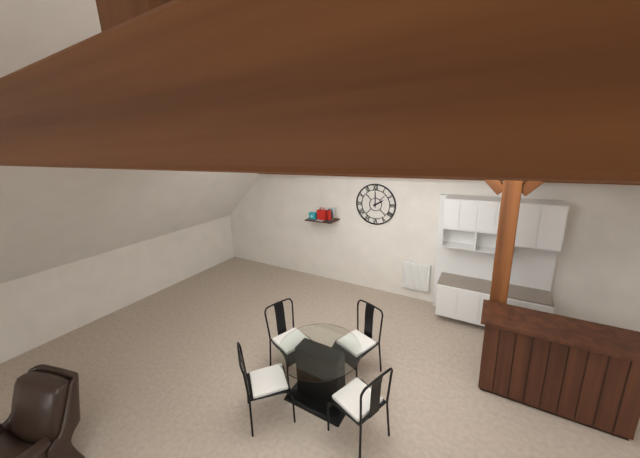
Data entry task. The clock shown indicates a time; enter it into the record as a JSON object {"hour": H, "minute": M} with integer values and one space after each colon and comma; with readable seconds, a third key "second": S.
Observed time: {"hour": 2, "minute": 0}
